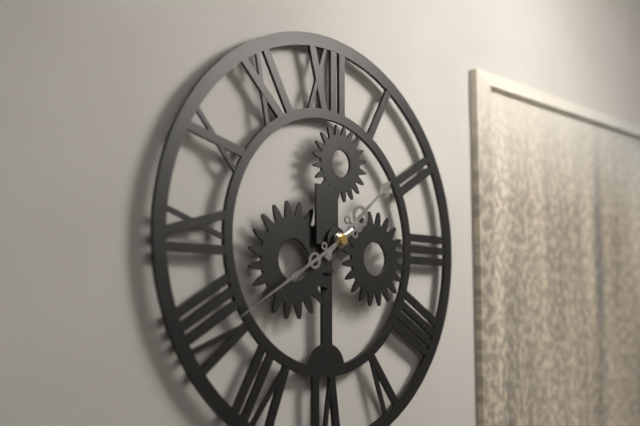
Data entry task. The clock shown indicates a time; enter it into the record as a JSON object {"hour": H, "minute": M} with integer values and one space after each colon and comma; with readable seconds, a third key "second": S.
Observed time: {"hour": 1, "minute": 40}
